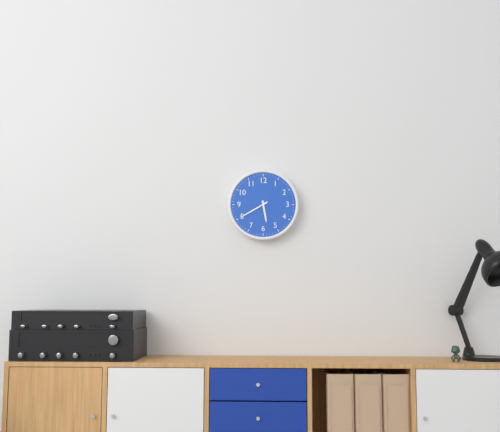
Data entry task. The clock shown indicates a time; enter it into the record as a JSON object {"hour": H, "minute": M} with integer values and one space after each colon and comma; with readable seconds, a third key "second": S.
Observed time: {"hour": 5, "minute": 40}
